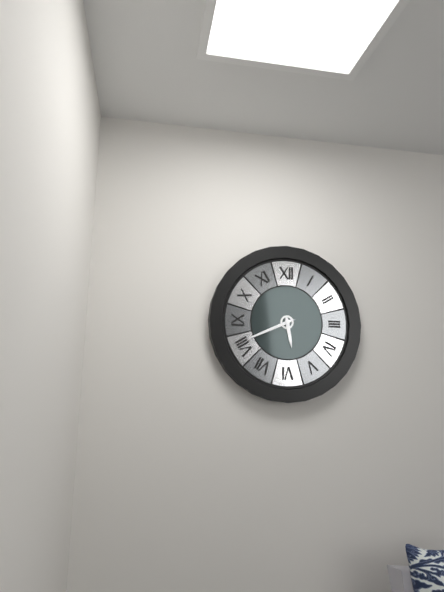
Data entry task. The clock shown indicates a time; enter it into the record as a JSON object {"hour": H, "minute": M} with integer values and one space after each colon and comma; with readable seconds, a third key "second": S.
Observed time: {"hour": 5, "minute": 41}
